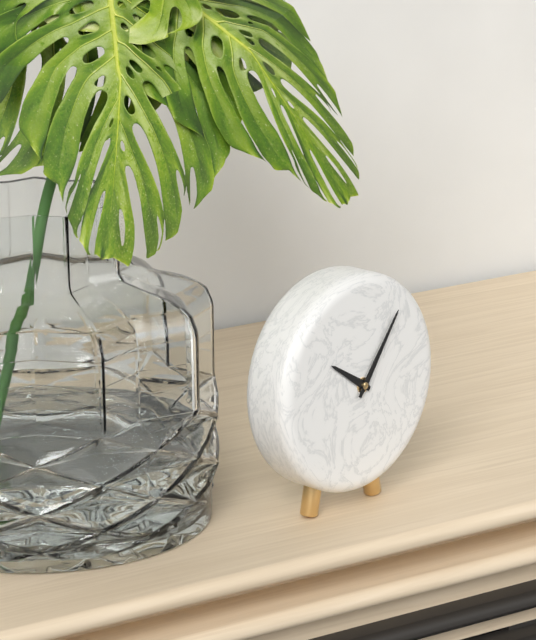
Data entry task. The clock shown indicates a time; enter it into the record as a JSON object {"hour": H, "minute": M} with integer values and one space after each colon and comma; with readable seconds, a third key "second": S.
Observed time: {"hour": 10, "minute": 6}
